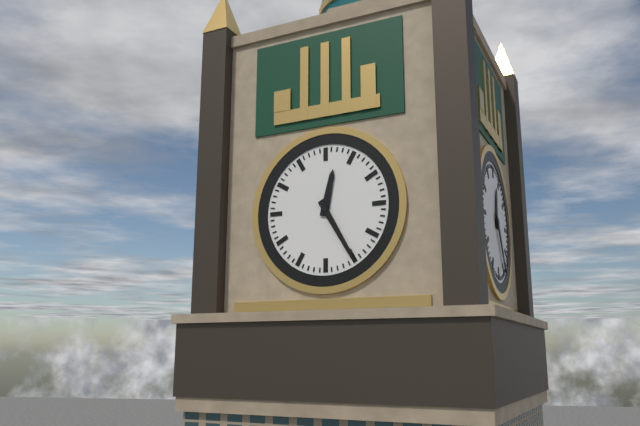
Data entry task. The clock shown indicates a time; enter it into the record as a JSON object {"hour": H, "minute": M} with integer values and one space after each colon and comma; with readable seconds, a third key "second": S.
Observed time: {"hour": 12, "minute": 25}
